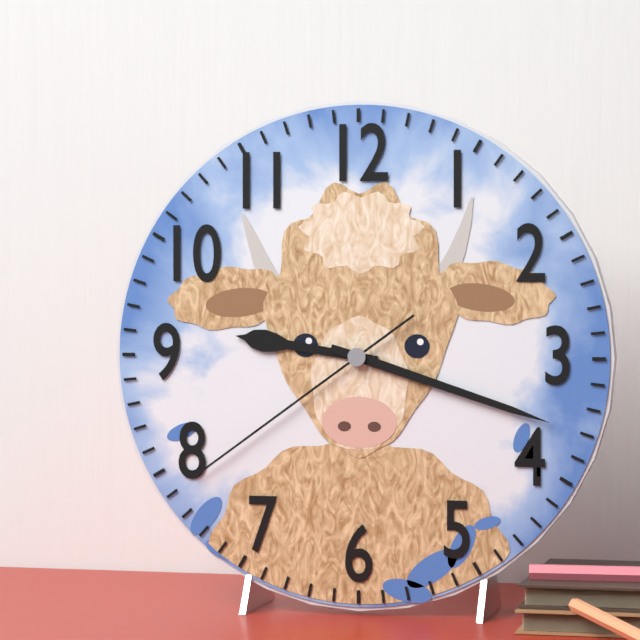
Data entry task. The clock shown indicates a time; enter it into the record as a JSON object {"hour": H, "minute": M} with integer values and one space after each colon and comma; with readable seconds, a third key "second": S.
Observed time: {"hour": 9, "minute": 18, "second": 39}
